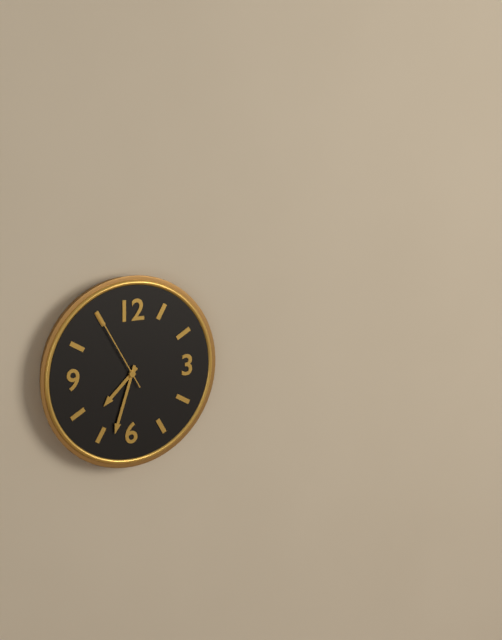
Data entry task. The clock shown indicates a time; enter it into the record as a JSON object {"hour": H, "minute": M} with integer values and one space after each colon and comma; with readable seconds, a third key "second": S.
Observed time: {"hour": 7, "minute": 33, "second": 55}
